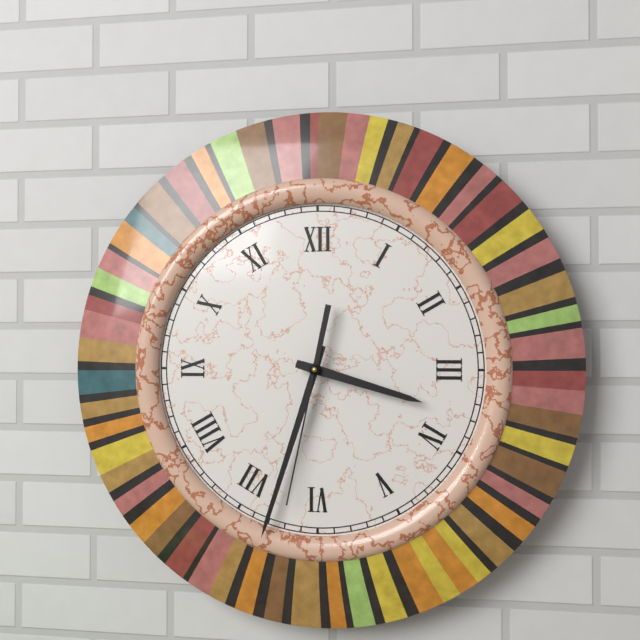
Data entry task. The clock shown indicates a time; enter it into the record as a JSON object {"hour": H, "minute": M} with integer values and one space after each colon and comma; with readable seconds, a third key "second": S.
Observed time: {"hour": 3, "minute": 33, "second": 32}
